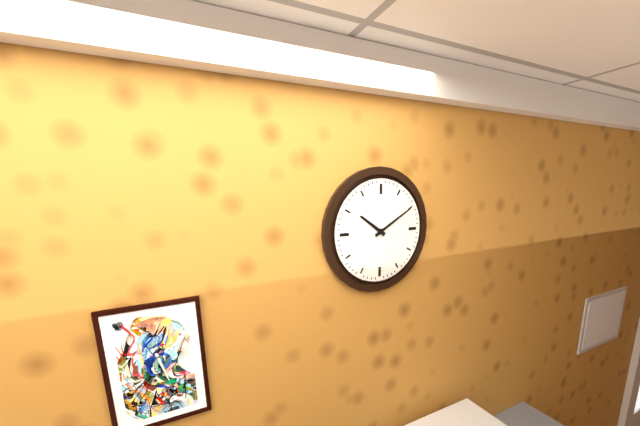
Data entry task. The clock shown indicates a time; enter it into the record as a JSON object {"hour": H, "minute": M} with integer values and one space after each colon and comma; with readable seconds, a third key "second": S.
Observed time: {"hour": 10, "minute": 10}
